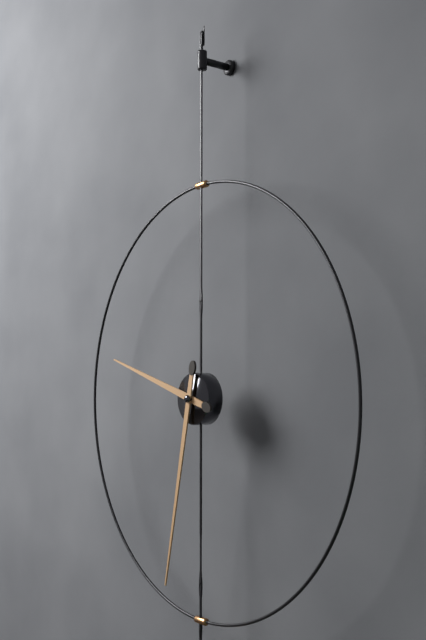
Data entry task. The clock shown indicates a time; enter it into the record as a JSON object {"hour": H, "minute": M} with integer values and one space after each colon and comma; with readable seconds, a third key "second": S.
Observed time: {"hour": 9, "minute": 32}
